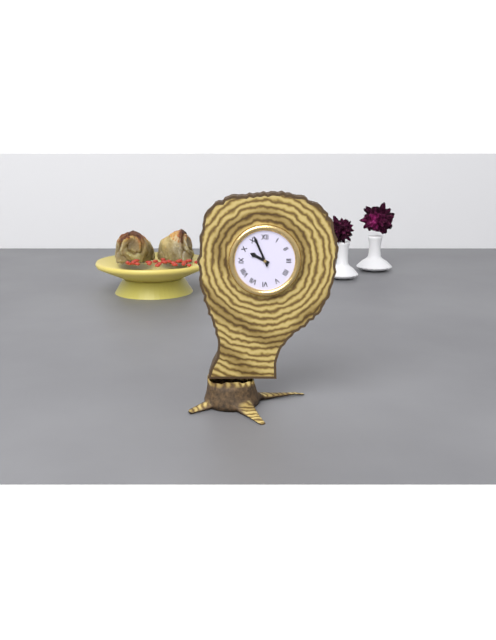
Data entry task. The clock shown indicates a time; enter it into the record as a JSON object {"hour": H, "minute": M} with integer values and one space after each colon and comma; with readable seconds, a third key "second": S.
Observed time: {"hour": 9, "minute": 56}
